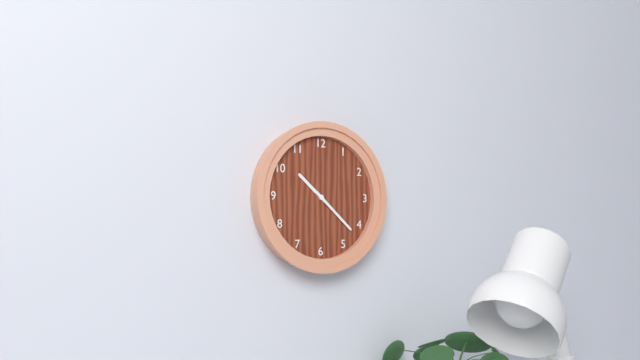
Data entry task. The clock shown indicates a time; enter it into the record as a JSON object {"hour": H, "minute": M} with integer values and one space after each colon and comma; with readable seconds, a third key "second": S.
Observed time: {"hour": 10, "minute": 22}
